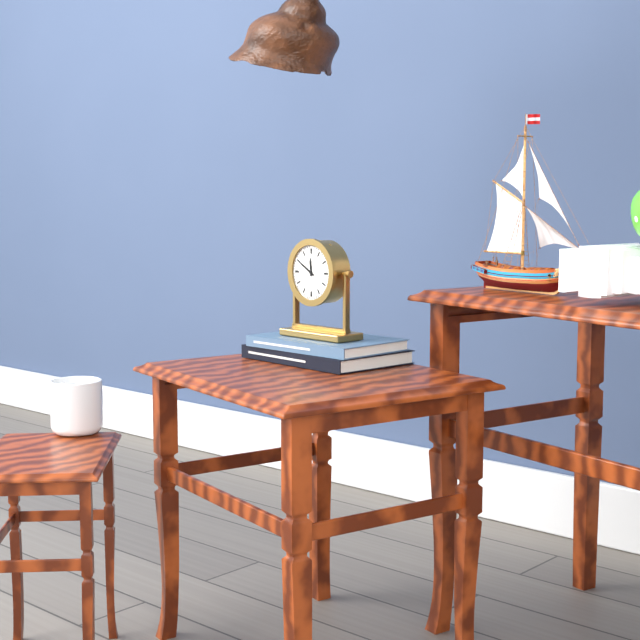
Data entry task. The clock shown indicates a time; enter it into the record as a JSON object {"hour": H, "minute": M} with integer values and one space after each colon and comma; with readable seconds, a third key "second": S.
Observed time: {"hour": 11, "minute": 50}
